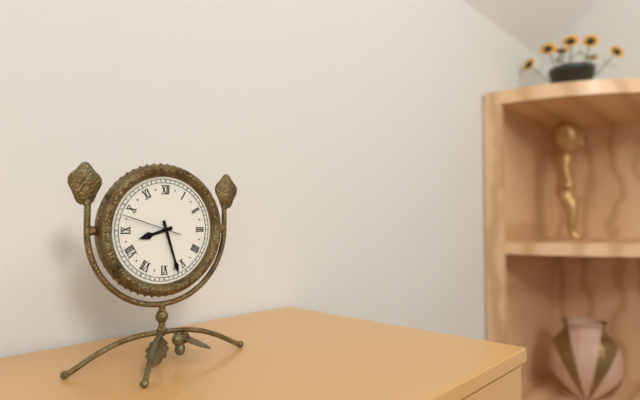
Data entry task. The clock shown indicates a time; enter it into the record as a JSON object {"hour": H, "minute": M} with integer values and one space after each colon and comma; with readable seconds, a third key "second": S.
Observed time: {"hour": 8, "minute": 27, "second": 48}
